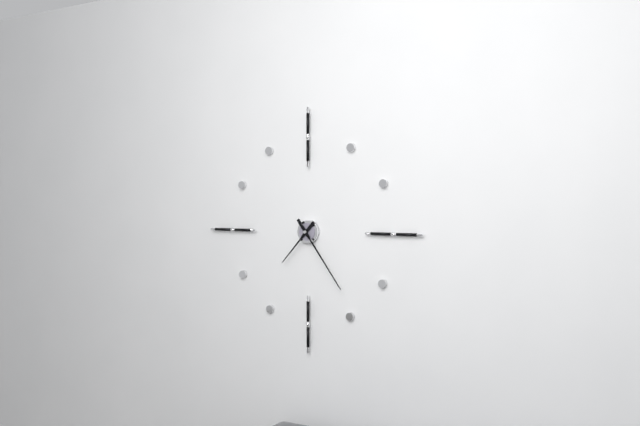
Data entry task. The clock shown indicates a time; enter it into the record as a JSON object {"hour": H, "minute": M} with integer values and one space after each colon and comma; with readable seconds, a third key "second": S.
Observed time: {"hour": 7, "minute": 24}
